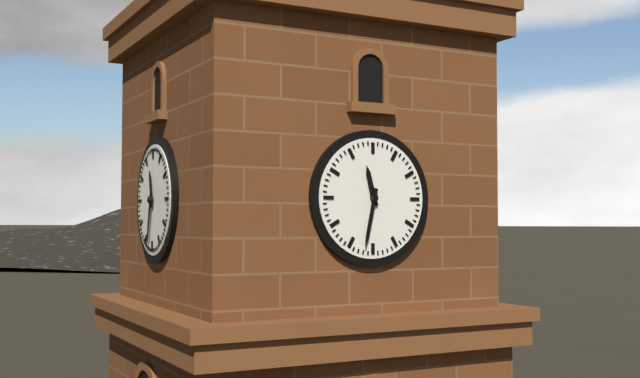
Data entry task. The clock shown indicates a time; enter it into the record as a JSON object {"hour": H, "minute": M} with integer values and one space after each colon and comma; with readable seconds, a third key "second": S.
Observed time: {"hour": 11, "minute": 32}
